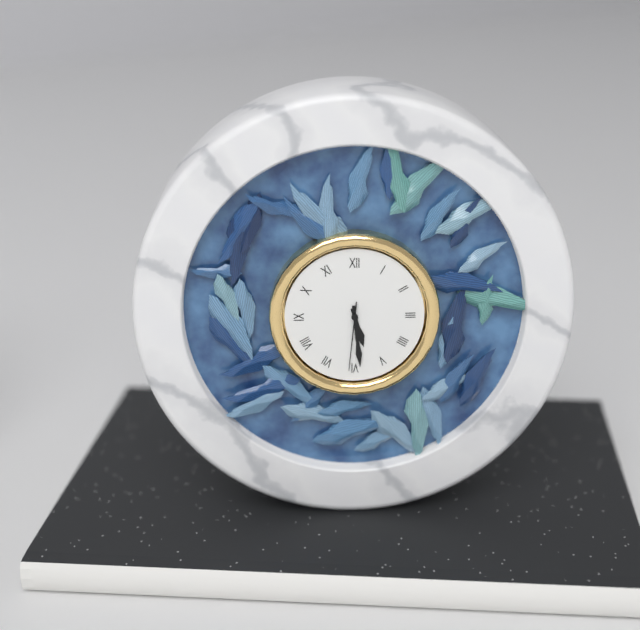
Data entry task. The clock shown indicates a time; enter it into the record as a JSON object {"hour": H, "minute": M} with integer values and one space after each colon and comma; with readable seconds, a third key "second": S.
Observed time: {"hour": 5, "minute": 29, "second": 31}
